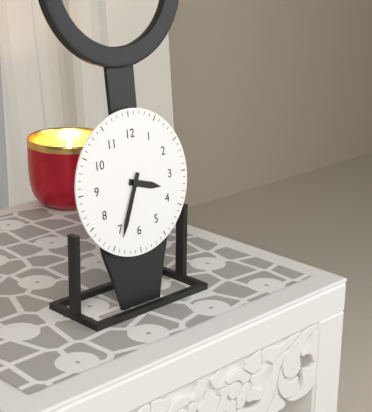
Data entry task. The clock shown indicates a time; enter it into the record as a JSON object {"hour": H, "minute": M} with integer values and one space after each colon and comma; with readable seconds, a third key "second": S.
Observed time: {"hour": 3, "minute": 34}
